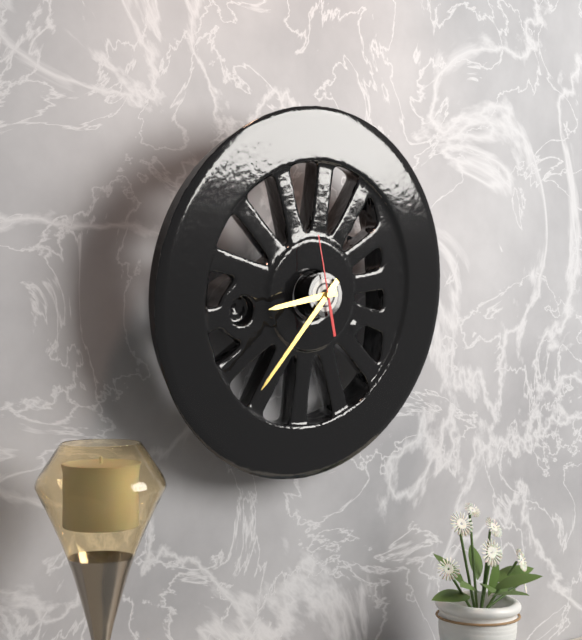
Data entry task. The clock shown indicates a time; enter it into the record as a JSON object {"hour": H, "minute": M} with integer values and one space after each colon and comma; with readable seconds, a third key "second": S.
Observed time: {"hour": 8, "minute": 37, "second": 58}
